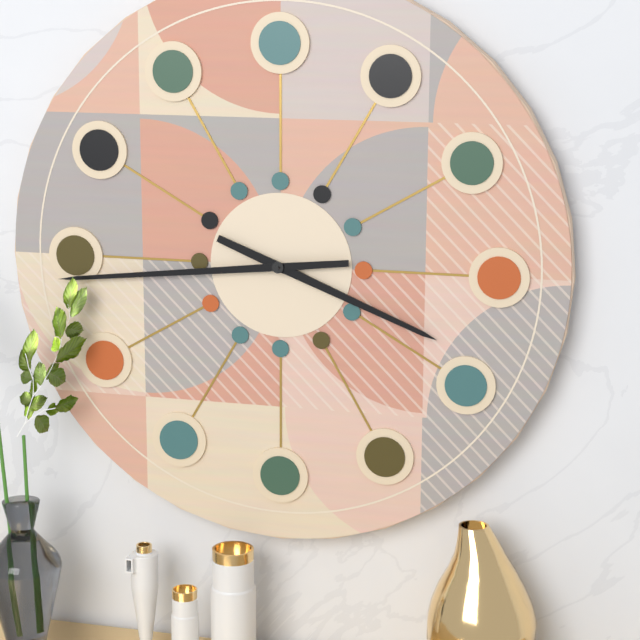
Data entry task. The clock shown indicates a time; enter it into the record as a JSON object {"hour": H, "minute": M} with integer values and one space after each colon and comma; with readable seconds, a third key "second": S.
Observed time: {"hour": 3, "minute": 44}
